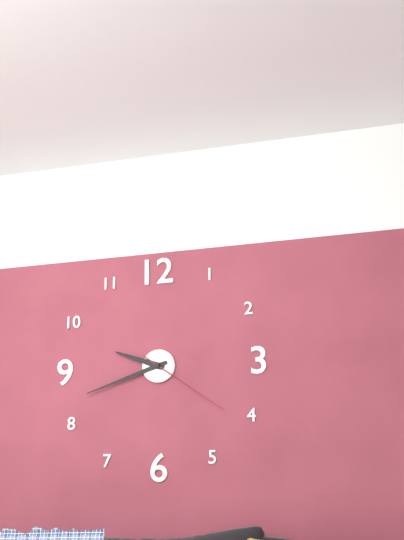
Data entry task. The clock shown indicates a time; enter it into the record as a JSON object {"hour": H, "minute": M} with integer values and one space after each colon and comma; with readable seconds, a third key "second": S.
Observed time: {"hour": 9, "minute": 42, "second": 21}
